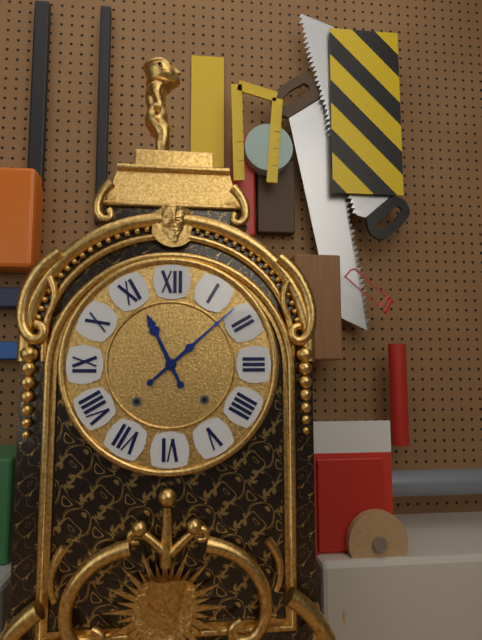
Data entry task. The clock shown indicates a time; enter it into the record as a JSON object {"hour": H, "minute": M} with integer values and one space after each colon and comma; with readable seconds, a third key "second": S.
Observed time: {"hour": 11, "minute": 8}
